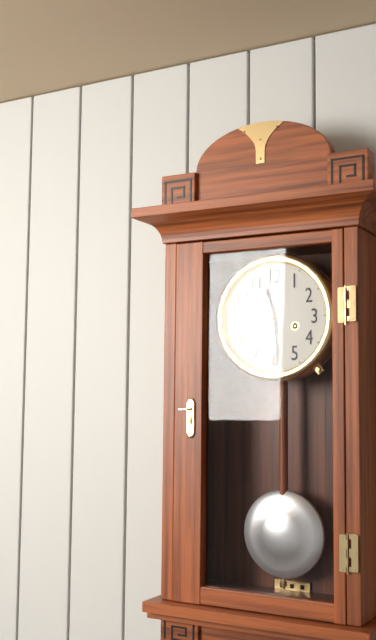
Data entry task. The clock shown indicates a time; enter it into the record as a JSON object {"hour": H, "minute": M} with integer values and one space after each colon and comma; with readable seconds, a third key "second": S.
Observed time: {"hour": 11, "minute": 29}
